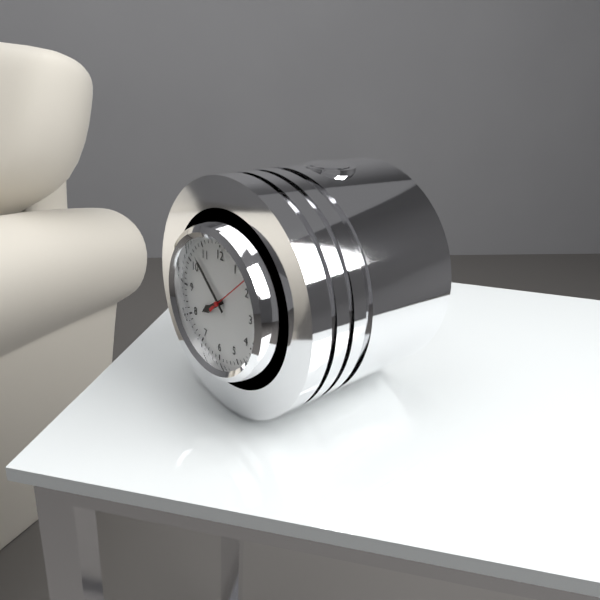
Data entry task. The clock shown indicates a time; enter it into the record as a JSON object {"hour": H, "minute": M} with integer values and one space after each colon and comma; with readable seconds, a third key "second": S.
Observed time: {"hour": 7, "minute": 52}
